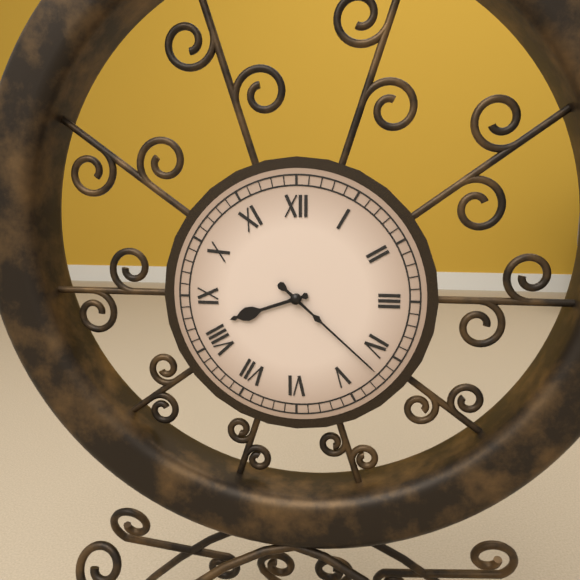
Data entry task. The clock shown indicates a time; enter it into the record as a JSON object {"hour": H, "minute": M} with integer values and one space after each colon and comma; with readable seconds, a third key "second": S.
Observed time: {"hour": 8, "minute": 22}
